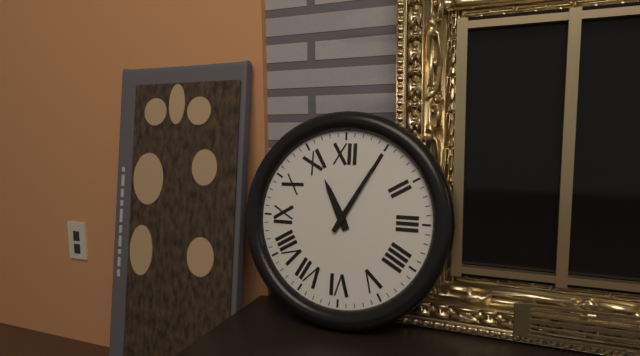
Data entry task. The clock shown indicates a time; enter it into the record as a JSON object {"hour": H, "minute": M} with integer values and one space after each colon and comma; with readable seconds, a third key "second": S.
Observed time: {"hour": 11, "minute": 5}
